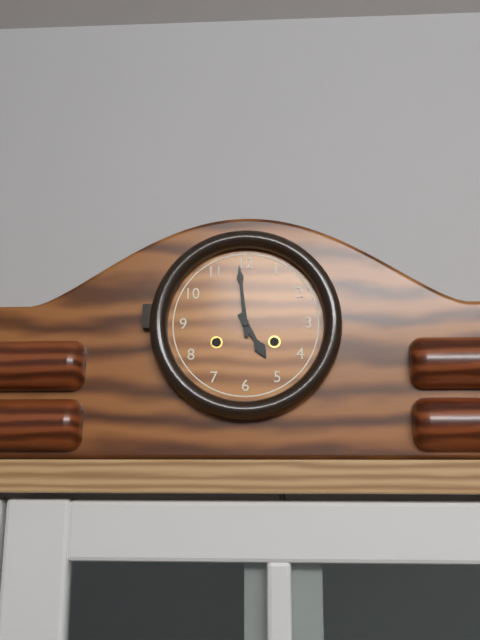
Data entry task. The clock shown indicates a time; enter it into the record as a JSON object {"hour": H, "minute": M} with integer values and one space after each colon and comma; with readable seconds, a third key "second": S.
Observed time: {"hour": 4, "minute": 59}
